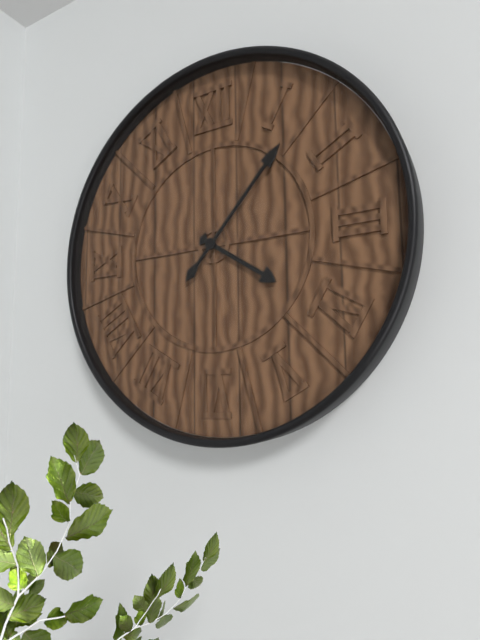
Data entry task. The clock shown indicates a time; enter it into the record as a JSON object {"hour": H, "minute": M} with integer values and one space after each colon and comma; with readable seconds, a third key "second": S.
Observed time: {"hour": 4, "minute": 7}
